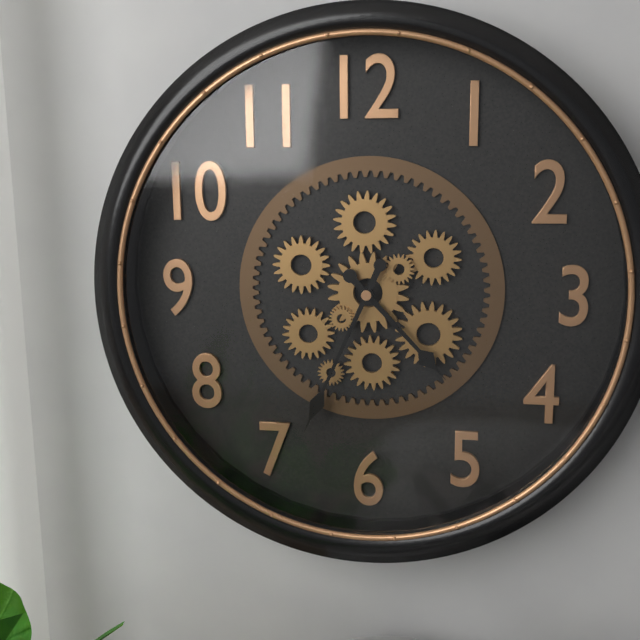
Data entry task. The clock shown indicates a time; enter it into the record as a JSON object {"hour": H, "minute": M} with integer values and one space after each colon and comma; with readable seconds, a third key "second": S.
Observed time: {"hour": 4, "minute": 34}
